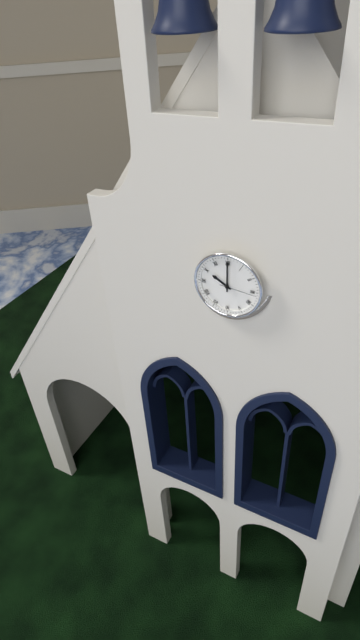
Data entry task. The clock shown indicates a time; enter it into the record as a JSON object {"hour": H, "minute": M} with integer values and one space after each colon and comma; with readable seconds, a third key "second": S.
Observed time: {"hour": 10, "minute": 0}
